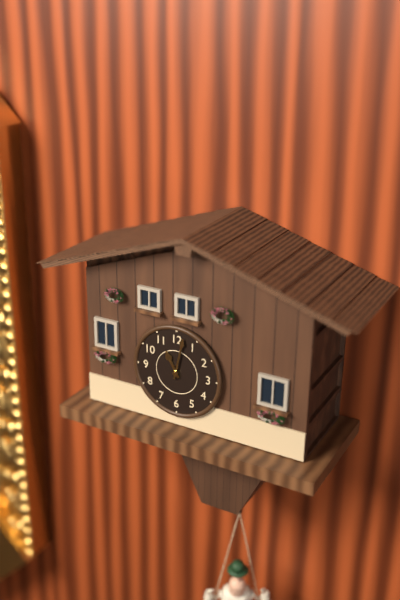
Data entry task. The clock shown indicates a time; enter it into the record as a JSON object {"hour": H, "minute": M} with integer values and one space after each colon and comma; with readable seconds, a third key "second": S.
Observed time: {"hour": 11, "minute": 2}
